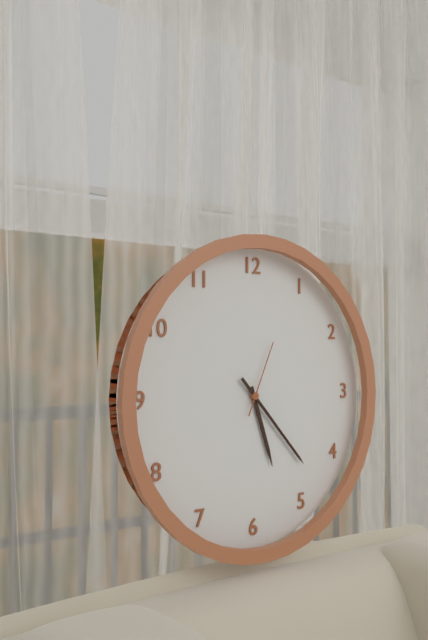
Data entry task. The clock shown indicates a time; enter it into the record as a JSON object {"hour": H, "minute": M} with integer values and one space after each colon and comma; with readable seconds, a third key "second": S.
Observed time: {"hour": 5, "minute": 23, "second": 4}
